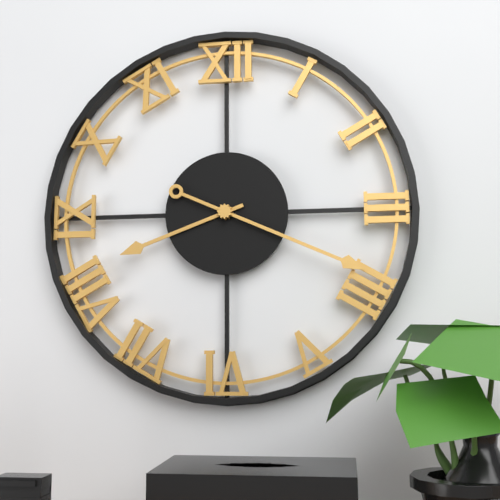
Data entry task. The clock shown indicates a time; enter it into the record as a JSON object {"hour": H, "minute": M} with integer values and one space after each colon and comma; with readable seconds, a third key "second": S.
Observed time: {"hour": 8, "minute": 19}
